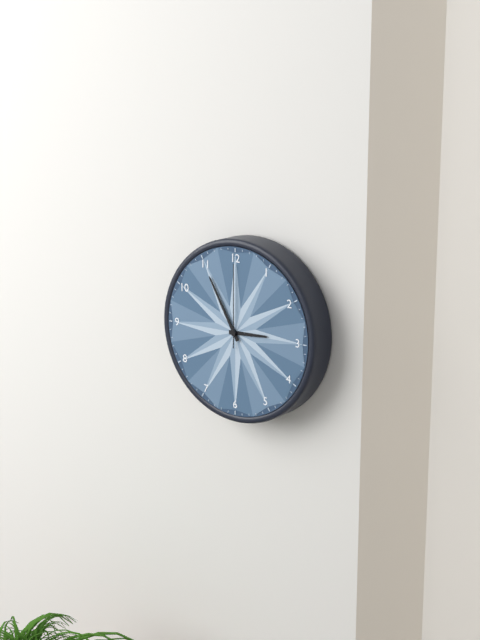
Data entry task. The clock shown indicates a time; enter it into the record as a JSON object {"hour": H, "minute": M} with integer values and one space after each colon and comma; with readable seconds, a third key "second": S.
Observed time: {"hour": 2, "minute": 55, "second": 0}
